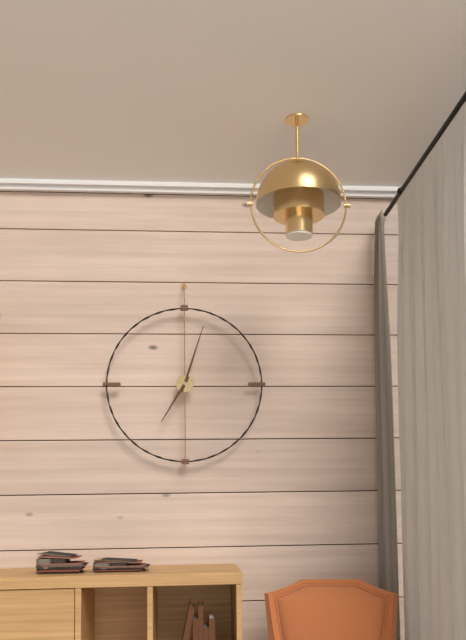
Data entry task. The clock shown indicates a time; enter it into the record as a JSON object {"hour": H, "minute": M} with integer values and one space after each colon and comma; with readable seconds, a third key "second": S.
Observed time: {"hour": 7, "minute": 3}
